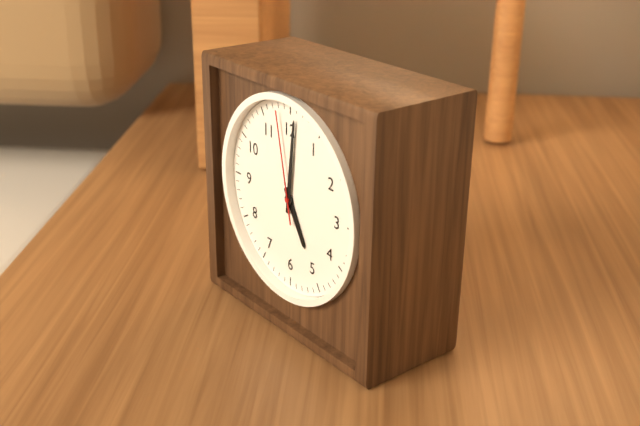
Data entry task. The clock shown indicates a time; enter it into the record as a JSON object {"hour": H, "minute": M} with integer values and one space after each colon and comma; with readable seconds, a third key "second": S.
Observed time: {"hour": 5, "minute": 1, "second": 58}
